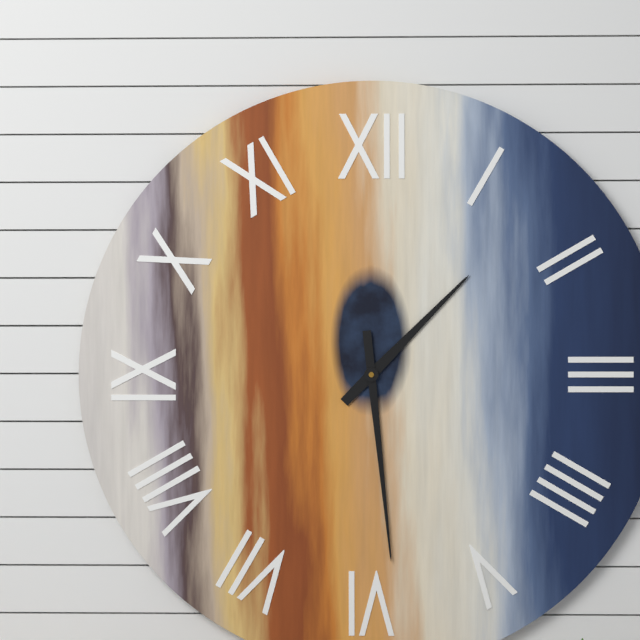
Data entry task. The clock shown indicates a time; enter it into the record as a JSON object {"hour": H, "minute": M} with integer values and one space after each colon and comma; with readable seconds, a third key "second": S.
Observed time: {"hour": 1, "minute": 29}
